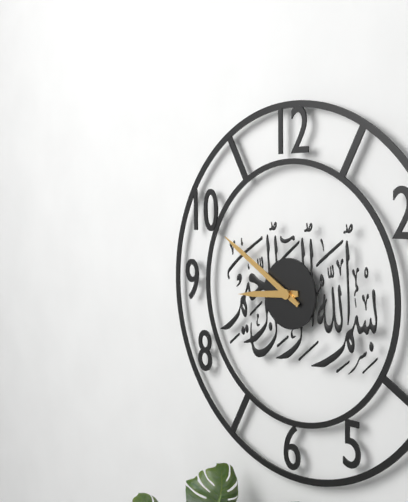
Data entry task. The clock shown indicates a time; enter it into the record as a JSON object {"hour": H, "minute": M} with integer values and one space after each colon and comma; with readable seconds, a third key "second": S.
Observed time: {"hour": 8, "minute": 50}
